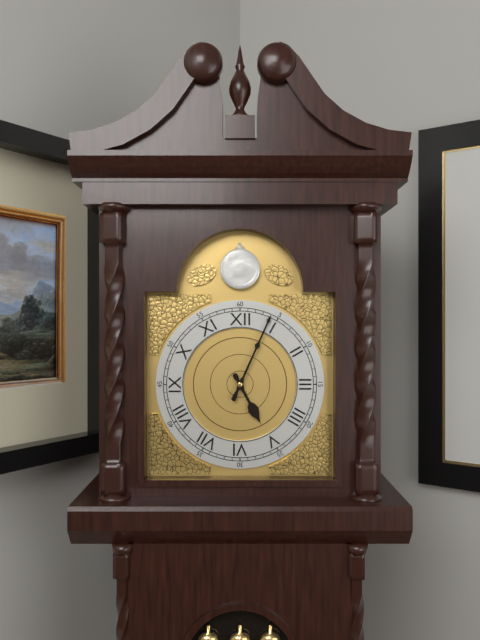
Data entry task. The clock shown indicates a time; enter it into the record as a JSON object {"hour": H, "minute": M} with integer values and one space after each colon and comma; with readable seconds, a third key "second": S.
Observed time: {"hour": 5, "minute": 4}
